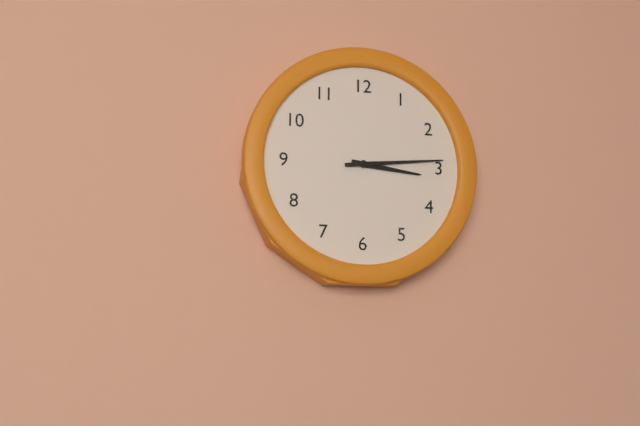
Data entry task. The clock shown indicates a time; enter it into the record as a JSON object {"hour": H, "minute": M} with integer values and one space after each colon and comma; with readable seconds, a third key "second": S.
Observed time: {"hour": 3, "minute": 14}
